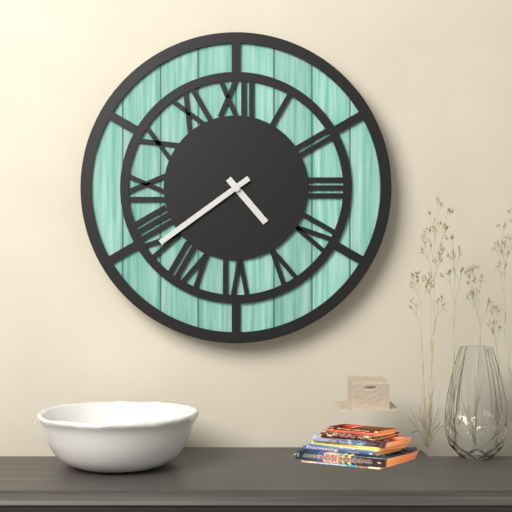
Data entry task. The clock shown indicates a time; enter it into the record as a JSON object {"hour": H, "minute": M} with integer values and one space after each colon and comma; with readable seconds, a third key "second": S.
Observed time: {"hour": 4, "minute": 39}
